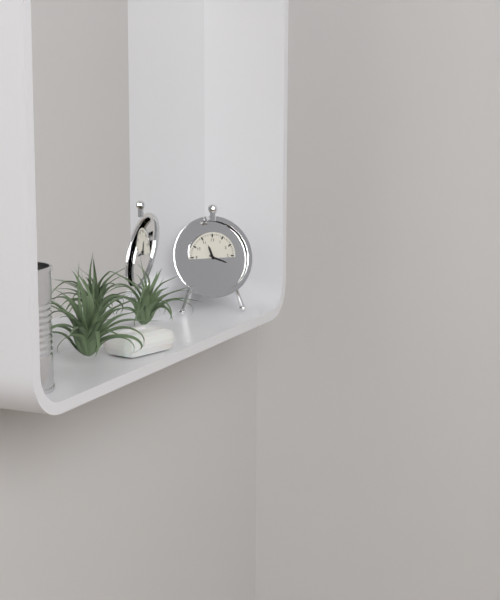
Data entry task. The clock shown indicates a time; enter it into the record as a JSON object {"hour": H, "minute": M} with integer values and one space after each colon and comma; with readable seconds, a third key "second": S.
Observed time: {"hour": 11, "minute": 19}
